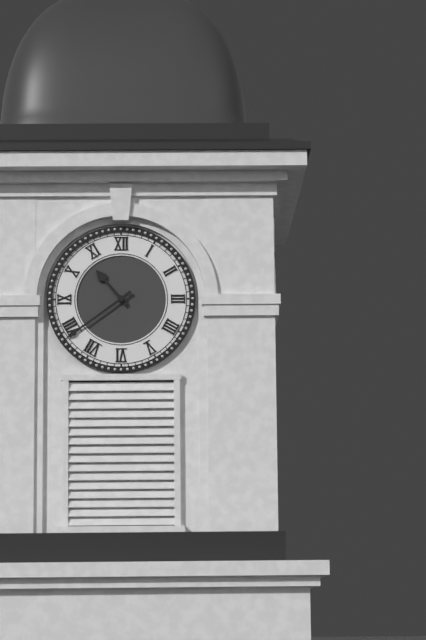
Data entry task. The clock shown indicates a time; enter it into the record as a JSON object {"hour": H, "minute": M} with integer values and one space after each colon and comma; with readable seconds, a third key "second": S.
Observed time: {"hour": 10, "minute": 39}
